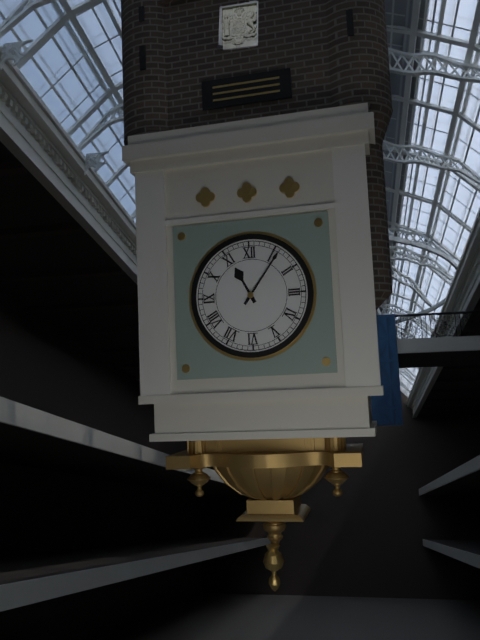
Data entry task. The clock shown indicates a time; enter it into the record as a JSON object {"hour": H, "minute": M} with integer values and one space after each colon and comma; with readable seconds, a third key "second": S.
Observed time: {"hour": 11, "minute": 6}
